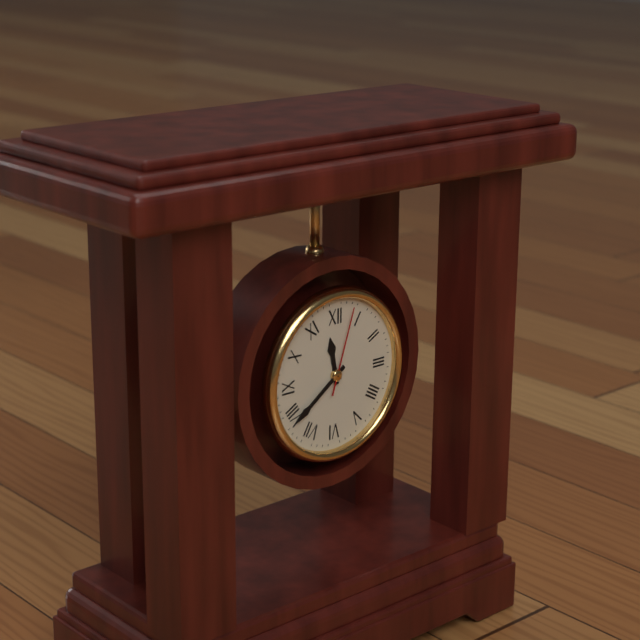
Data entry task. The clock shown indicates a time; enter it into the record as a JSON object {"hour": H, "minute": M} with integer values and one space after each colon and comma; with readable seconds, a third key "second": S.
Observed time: {"hour": 11, "minute": 39, "second": 3}
